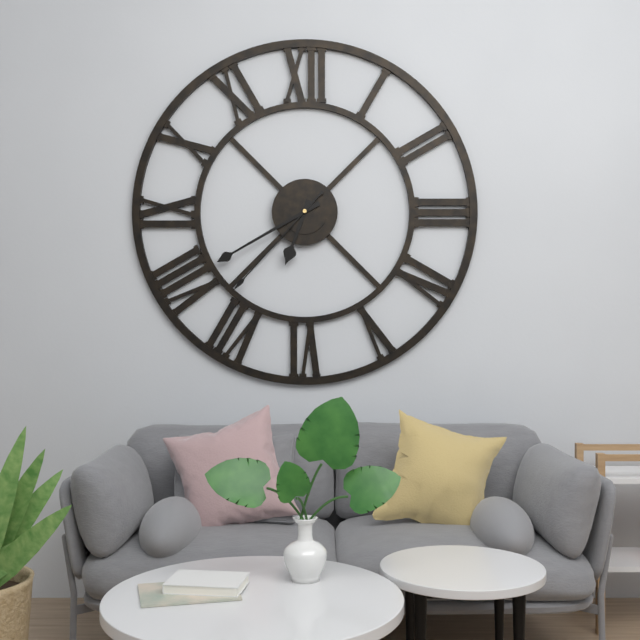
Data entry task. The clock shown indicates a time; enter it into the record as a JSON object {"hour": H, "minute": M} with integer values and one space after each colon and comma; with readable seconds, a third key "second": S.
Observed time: {"hour": 6, "minute": 40, "second": 37}
